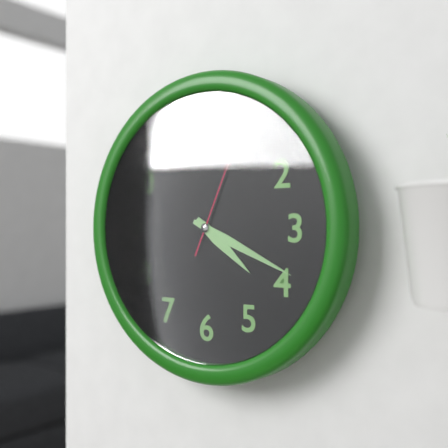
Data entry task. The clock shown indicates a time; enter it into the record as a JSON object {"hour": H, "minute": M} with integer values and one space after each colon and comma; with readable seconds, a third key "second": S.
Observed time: {"hour": 4, "minute": 19, "second": 4}
